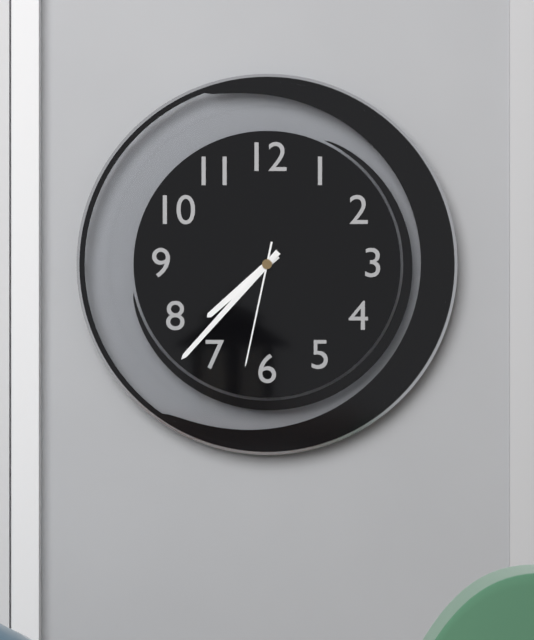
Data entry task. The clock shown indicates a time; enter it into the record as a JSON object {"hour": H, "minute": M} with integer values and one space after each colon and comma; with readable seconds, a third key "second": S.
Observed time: {"hour": 7, "minute": 37, "second": 32}
